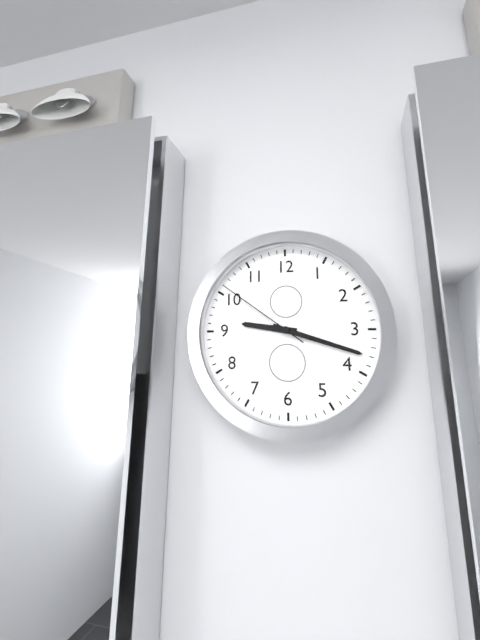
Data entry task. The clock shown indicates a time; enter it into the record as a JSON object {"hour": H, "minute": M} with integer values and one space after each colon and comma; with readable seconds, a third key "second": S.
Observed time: {"hour": 9, "minute": 18, "second": 51}
